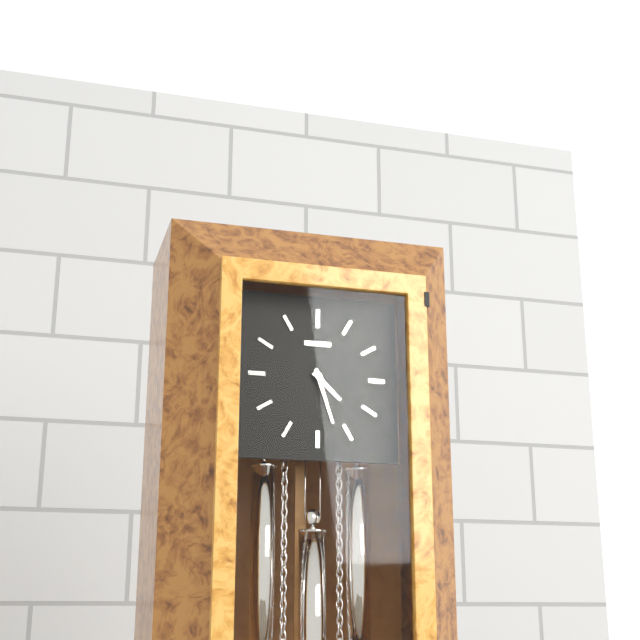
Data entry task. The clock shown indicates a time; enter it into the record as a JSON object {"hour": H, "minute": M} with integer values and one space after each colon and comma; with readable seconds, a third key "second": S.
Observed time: {"hour": 4, "minute": 27}
